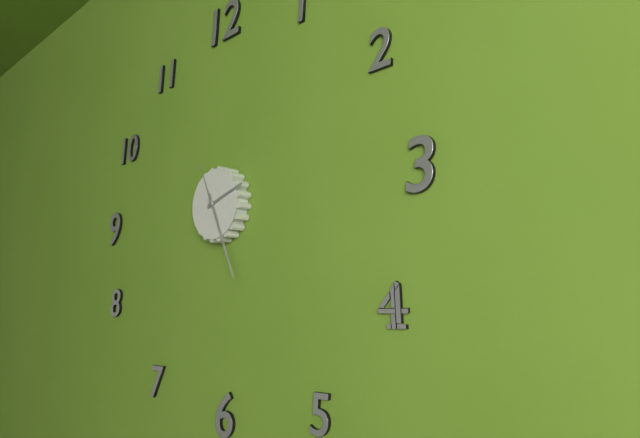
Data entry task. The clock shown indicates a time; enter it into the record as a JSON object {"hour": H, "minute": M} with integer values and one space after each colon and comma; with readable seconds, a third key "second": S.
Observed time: {"hour": 2, "minute": 26, "second": 56}
